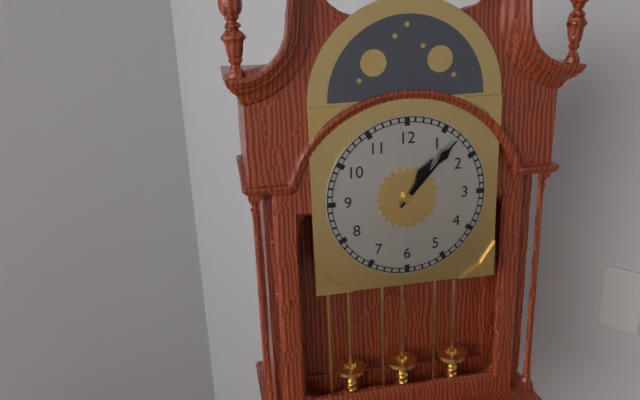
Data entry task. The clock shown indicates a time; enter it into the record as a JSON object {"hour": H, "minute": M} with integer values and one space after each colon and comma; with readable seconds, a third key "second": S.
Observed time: {"hour": 1, "minute": 7}
